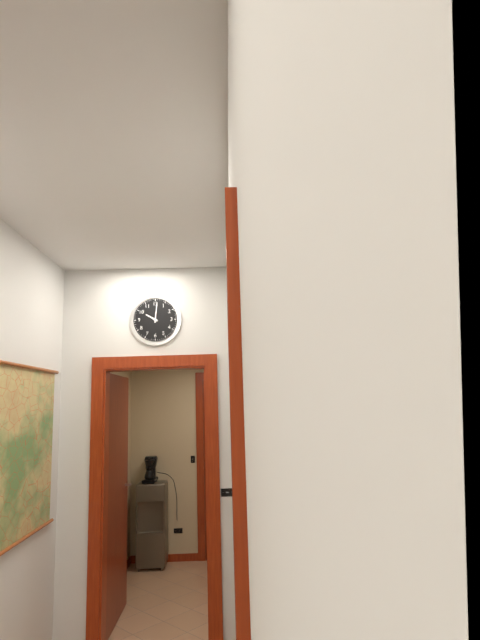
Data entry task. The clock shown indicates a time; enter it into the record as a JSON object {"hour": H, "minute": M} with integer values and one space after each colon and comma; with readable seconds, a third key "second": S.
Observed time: {"hour": 10, "minute": 1}
